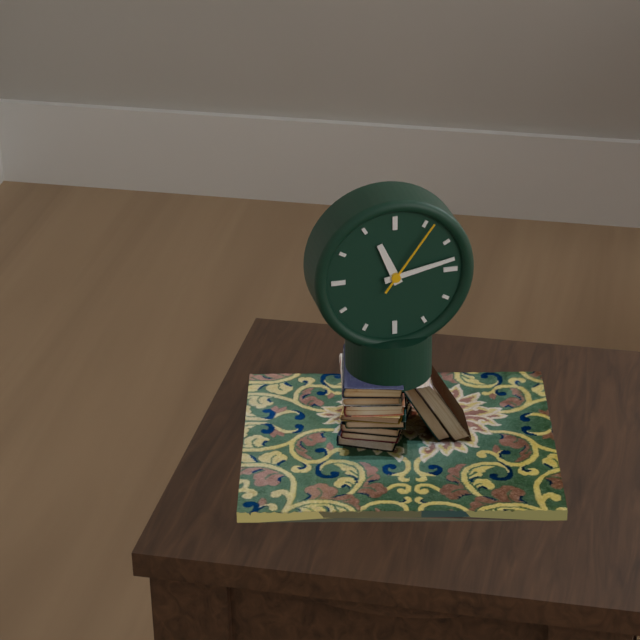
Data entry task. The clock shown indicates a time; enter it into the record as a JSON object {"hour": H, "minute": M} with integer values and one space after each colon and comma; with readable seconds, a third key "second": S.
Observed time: {"hour": 11, "minute": 13, "second": 6}
